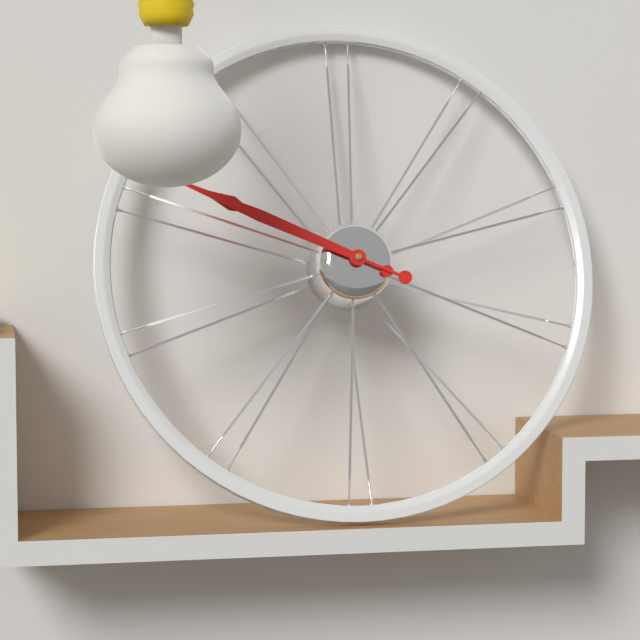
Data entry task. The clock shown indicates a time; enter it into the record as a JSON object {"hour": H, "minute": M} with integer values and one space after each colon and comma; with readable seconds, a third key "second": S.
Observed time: {"hour": 9, "minute": 49}
